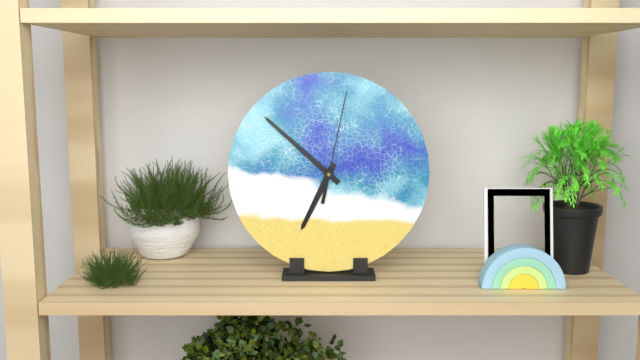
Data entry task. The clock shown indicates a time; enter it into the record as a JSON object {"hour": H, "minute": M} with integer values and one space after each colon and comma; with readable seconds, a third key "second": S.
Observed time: {"hour": 6, "minute": 52, "second": 2}
